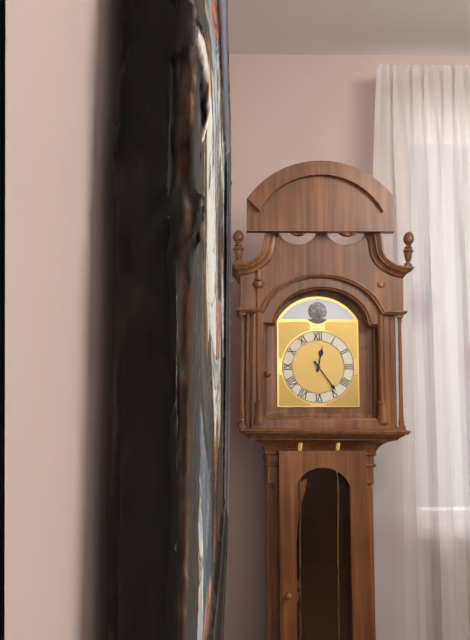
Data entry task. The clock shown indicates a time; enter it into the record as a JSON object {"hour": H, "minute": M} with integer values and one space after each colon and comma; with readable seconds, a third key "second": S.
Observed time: {"hour": 12, "minute": 24}
